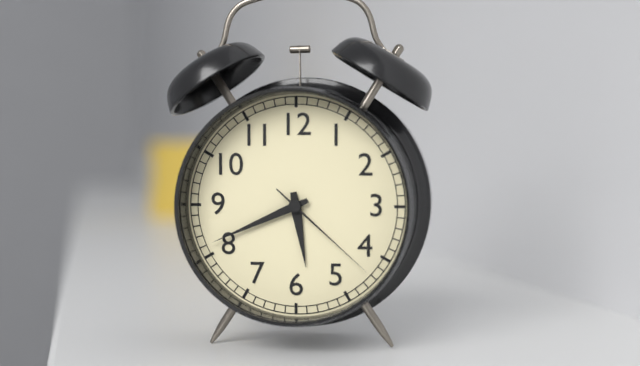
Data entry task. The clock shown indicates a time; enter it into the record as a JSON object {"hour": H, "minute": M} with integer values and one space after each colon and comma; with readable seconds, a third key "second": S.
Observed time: {"hour": 5, "minute": 41, "second": 22}
